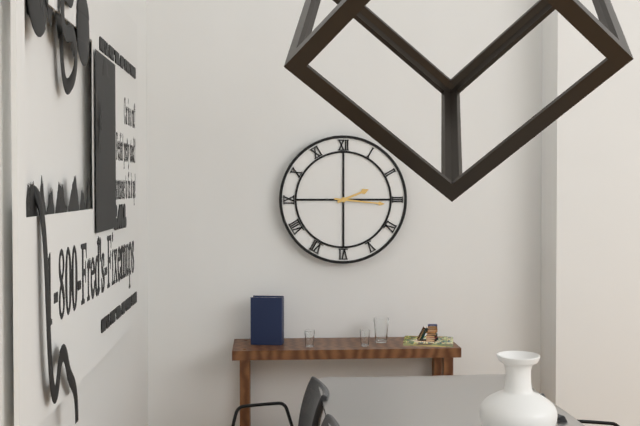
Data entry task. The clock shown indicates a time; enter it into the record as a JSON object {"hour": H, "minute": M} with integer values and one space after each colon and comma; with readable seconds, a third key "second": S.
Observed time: {"hour": 2, "minute": 16}
